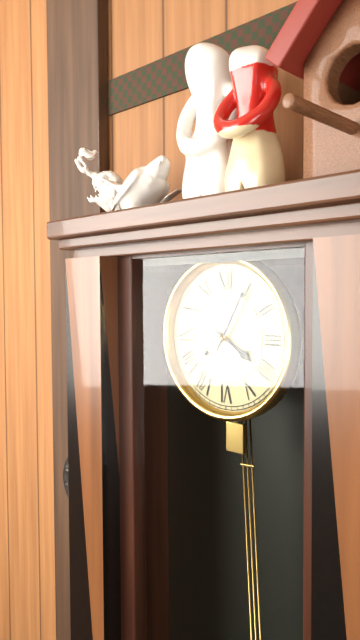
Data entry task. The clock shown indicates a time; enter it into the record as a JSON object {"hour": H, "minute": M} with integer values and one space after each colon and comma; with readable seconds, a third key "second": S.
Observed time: {"hour": 4, "minute": 5}
